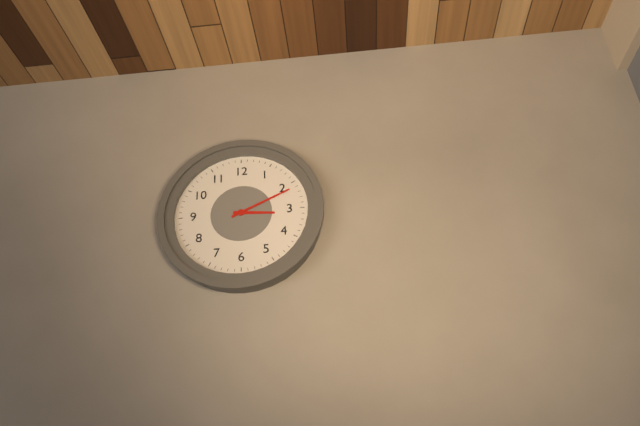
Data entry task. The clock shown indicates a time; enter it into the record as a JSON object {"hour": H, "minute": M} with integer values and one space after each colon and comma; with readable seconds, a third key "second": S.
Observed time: {"hour": 3, "minute": 11}
